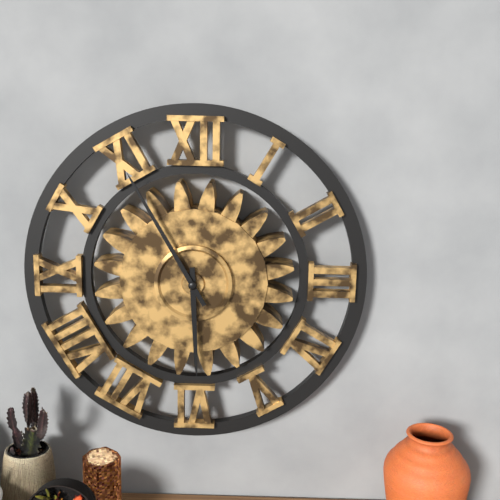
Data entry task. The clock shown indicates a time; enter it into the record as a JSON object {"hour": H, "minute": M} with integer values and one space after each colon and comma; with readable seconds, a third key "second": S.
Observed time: {"hour": 5, "minute": 55}
